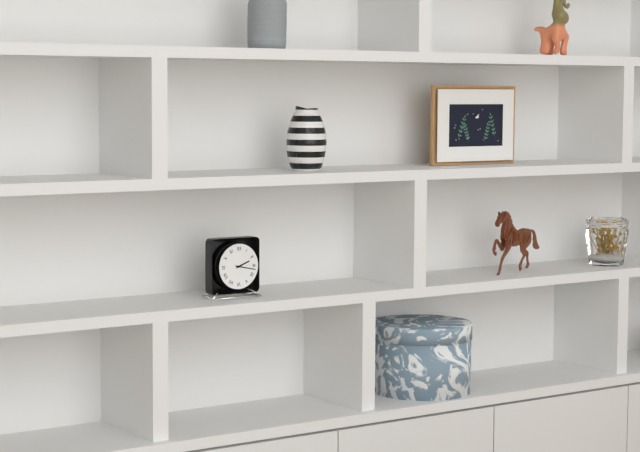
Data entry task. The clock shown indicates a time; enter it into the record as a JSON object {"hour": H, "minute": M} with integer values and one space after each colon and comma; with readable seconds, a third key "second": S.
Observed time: {"hour": 2, "minute": 17}
